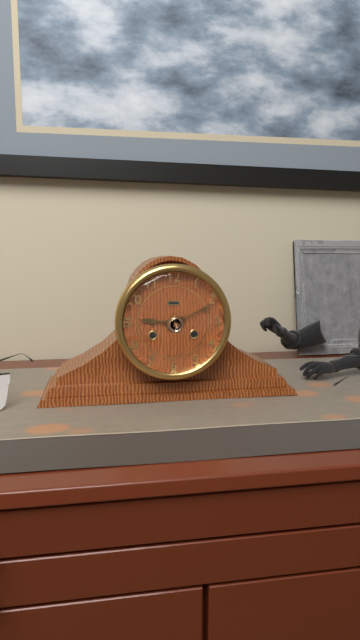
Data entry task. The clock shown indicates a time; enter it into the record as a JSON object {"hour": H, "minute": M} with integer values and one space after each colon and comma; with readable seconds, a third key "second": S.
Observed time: {"hour": 9, "minute": 11}
